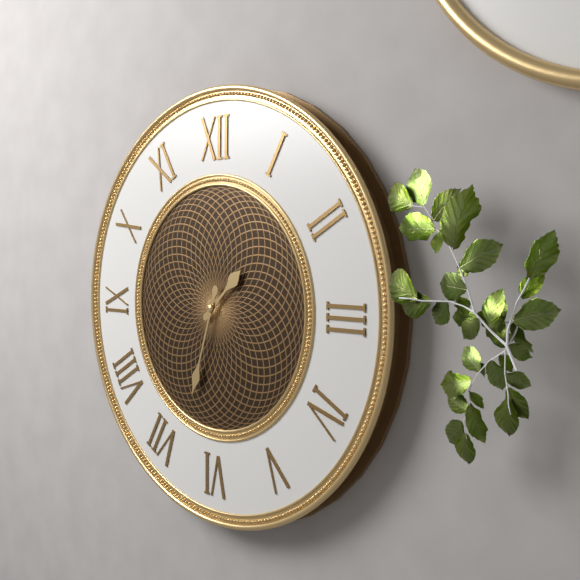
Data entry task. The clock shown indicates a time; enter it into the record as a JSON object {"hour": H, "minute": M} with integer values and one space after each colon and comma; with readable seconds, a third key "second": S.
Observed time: {"hour": 1, "minute": 33}
